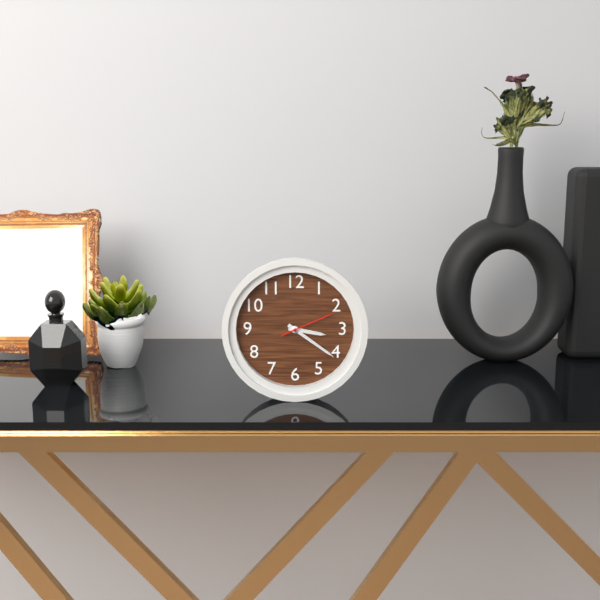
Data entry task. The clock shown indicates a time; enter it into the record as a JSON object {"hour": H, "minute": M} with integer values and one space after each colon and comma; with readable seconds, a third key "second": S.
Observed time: {"hour": 3, "minute": 21, "second": 11}
